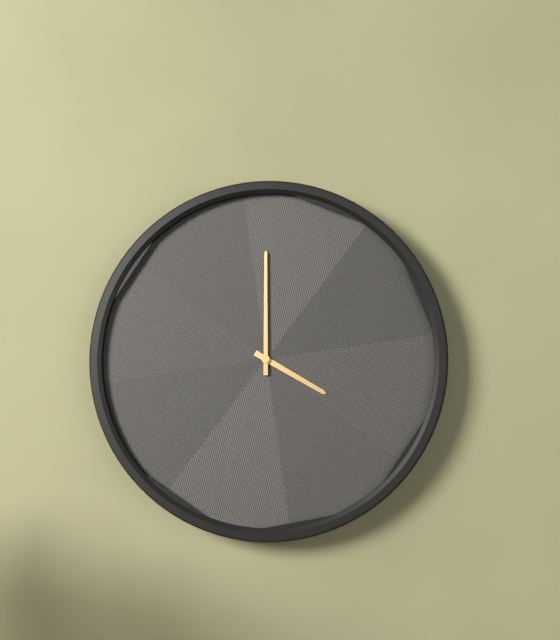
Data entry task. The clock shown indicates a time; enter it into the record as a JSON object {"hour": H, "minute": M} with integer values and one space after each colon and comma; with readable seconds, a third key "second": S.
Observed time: {"hour": 4, "minute": 0}
